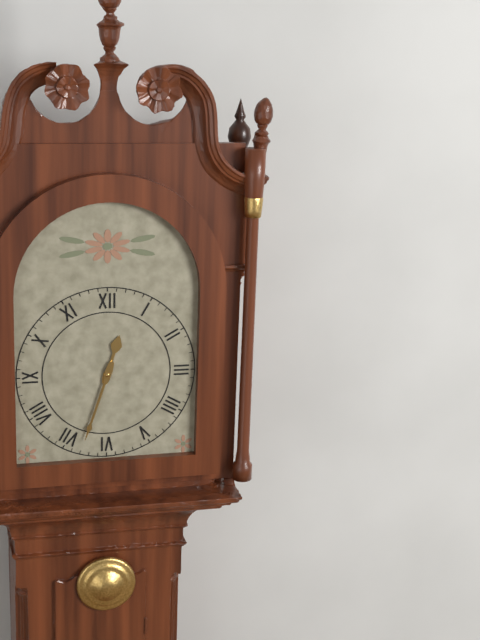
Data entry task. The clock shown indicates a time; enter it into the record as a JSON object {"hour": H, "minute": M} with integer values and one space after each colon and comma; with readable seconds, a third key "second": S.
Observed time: {"hour": 12, "minute": 33}
